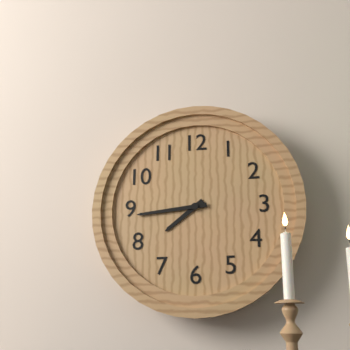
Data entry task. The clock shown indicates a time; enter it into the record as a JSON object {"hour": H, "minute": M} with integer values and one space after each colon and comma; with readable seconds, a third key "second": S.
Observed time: {"hour": 7, "minute": 44}
